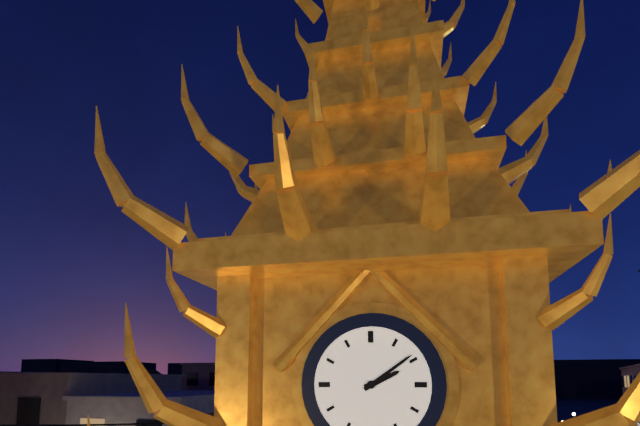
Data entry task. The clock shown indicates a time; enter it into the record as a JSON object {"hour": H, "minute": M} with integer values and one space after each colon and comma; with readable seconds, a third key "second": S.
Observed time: {"hour": 2, "minute": 9}
